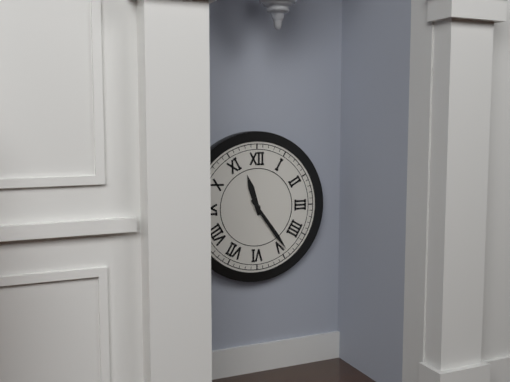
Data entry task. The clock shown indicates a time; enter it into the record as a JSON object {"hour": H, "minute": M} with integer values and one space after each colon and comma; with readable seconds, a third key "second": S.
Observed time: {"hour": 11, "minute": 24}
